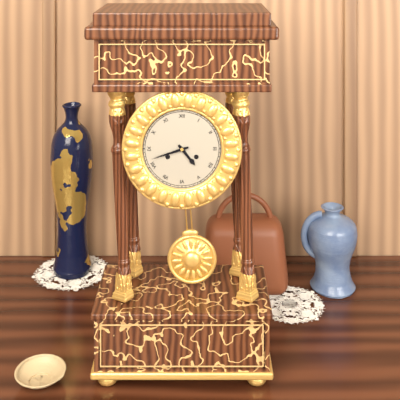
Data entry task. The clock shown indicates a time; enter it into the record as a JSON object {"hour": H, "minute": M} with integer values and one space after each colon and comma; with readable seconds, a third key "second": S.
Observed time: {"hour": 4, "minute": 42}
